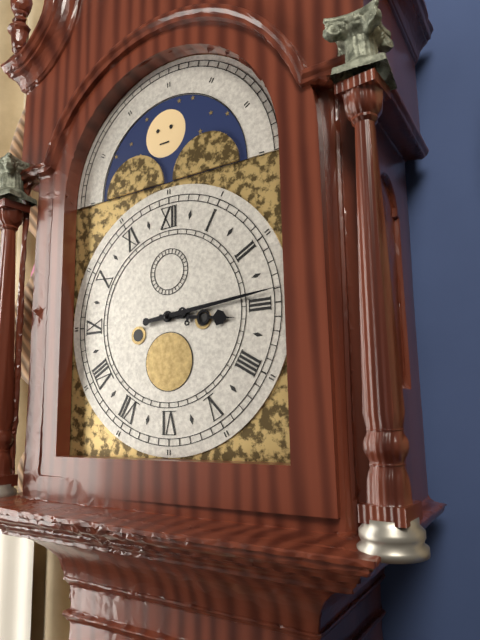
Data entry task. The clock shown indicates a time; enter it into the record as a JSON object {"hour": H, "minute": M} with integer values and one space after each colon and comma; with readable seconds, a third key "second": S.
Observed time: {"hour": 3, "minute": 14}
